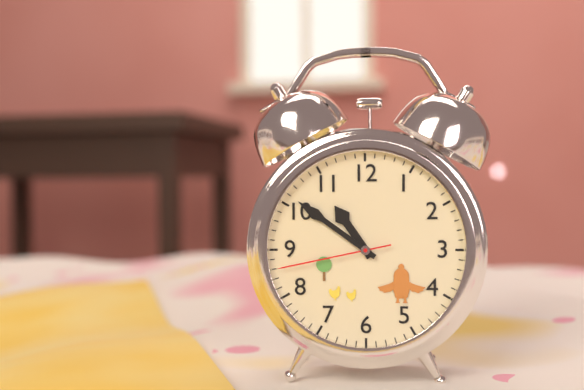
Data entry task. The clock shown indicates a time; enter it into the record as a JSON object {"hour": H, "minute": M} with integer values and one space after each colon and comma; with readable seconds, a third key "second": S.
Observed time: {"hour": 10, "minute": 51, "second": 43}
